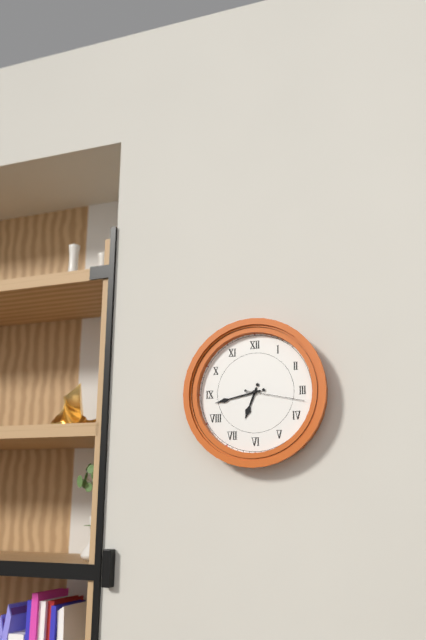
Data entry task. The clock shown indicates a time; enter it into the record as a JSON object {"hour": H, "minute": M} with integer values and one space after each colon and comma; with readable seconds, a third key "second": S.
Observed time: {"hour": 6, "minute": 43, "second": 17}
